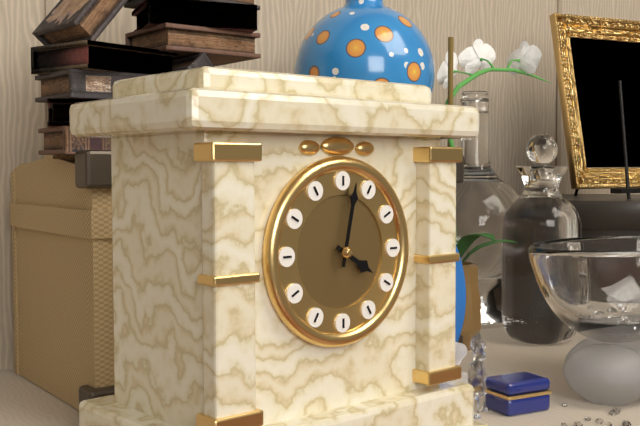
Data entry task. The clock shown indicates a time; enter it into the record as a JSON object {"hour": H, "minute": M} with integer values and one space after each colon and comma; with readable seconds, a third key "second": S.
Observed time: {"hour": 4, "minute": 2}
